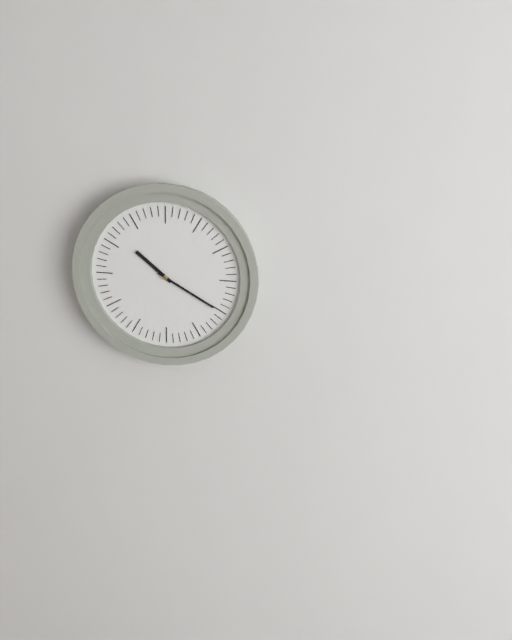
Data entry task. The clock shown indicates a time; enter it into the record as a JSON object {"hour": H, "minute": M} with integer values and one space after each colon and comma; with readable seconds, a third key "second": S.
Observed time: {"hour": 10, "minute": 20}
